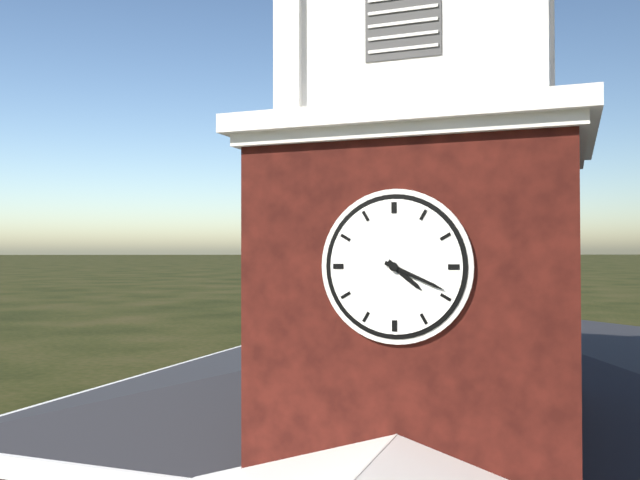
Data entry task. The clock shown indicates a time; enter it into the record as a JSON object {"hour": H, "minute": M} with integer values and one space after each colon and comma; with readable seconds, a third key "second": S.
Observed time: {"hour": 4, "minute": 19}
